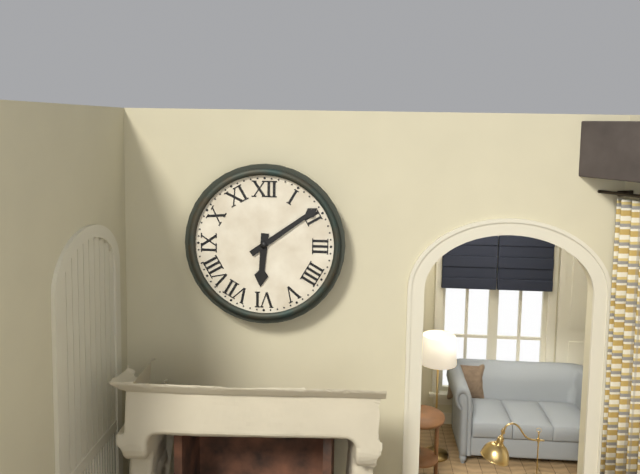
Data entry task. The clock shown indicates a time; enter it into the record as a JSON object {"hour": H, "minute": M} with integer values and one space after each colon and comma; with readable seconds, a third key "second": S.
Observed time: {"hour": 6, "minute": 9}
